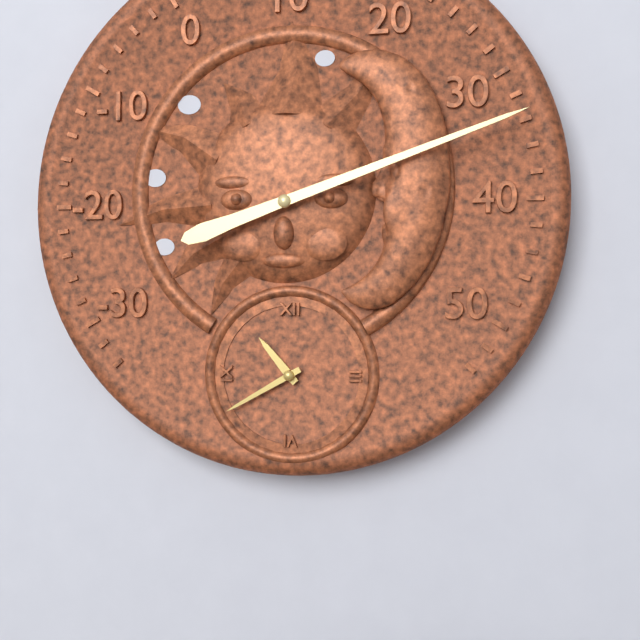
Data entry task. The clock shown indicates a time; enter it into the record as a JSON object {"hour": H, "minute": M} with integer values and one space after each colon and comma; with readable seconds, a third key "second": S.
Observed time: {"hour": 10, "minute": 40}
